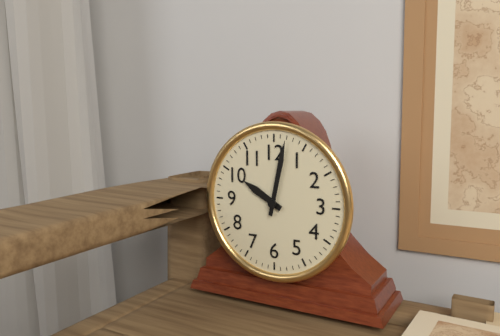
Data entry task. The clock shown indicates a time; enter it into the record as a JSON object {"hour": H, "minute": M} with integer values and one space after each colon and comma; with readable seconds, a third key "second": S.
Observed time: {"hour": 10, "minute": 2}
